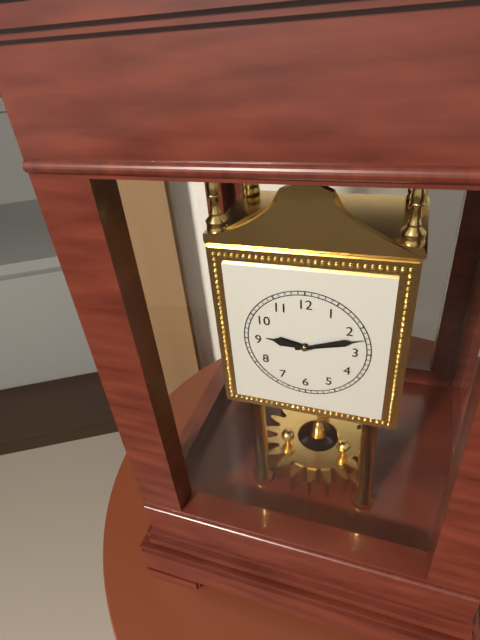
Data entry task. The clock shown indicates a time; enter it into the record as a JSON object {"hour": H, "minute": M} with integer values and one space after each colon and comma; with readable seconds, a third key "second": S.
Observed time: {"hour": 9, "minute": 12}
